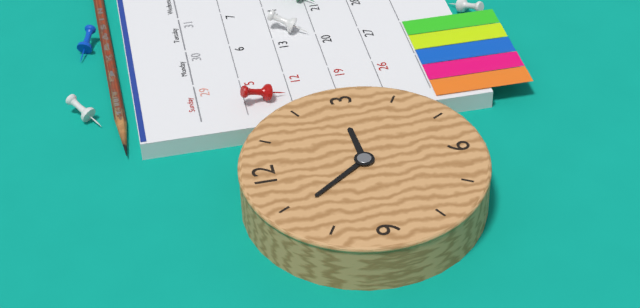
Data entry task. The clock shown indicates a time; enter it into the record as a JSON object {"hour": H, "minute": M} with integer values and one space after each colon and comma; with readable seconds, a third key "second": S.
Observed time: {"hour": 2, "minute": 54}
